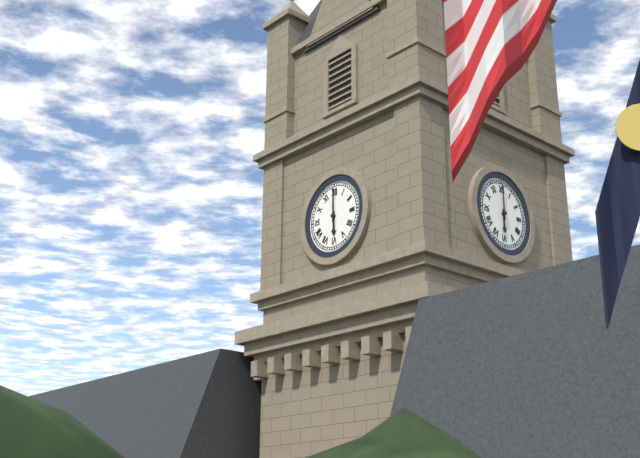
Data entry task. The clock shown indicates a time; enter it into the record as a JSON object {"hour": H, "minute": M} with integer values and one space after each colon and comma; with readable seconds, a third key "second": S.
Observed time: {"hour": 6, "minute": 0}
